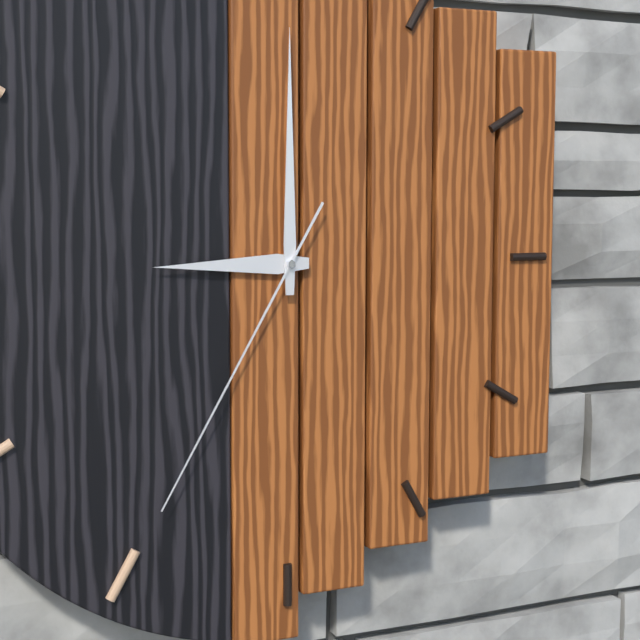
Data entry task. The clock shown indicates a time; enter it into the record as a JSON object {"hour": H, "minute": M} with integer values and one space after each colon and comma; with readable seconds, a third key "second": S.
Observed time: {"hour": 9, "minute": 0, "second": 35}
